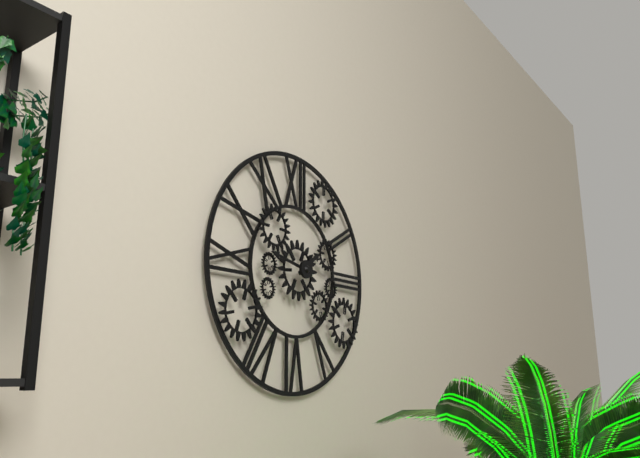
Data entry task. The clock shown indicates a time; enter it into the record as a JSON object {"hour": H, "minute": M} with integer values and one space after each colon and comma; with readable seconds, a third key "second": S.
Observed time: {"hour": 1, "minute": 47}
